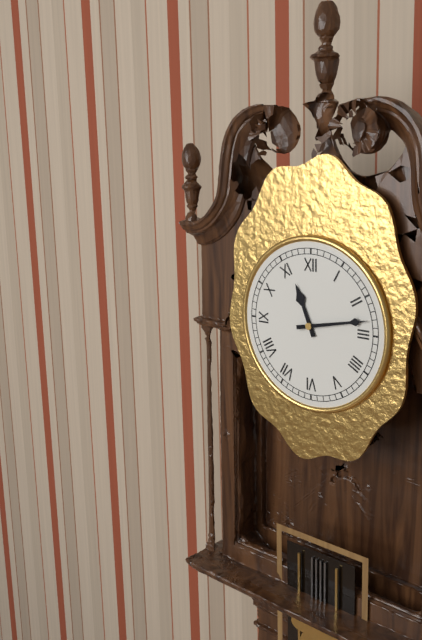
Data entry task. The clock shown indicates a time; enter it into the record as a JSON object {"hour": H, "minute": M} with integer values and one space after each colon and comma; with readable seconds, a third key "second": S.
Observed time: {"hour": 11, "minute": 13}
